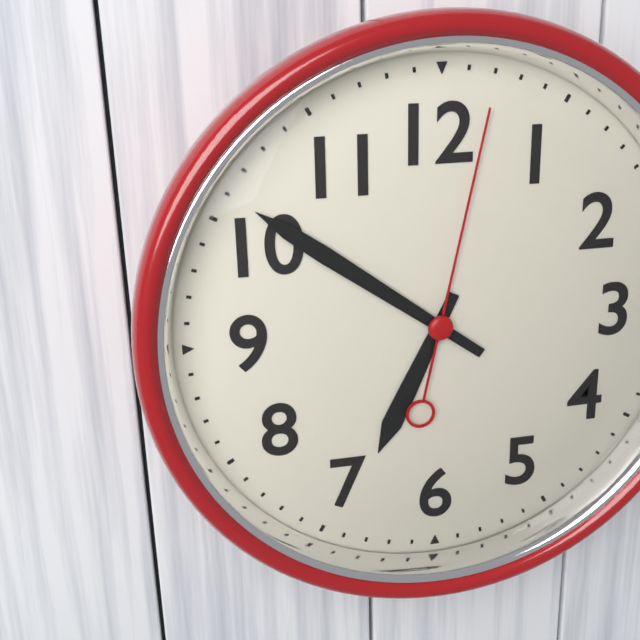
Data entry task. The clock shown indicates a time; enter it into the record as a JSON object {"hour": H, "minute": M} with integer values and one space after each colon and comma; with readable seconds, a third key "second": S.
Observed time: {"hour": 6, "minute": 51, "second": 2}
